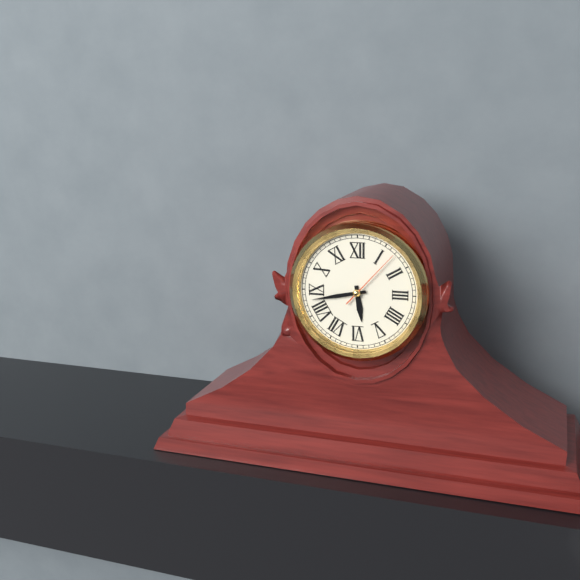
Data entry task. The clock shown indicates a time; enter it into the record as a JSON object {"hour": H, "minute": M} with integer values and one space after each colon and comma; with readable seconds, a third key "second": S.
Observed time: {"hour": 5, "minute": 43, "second": 7}
